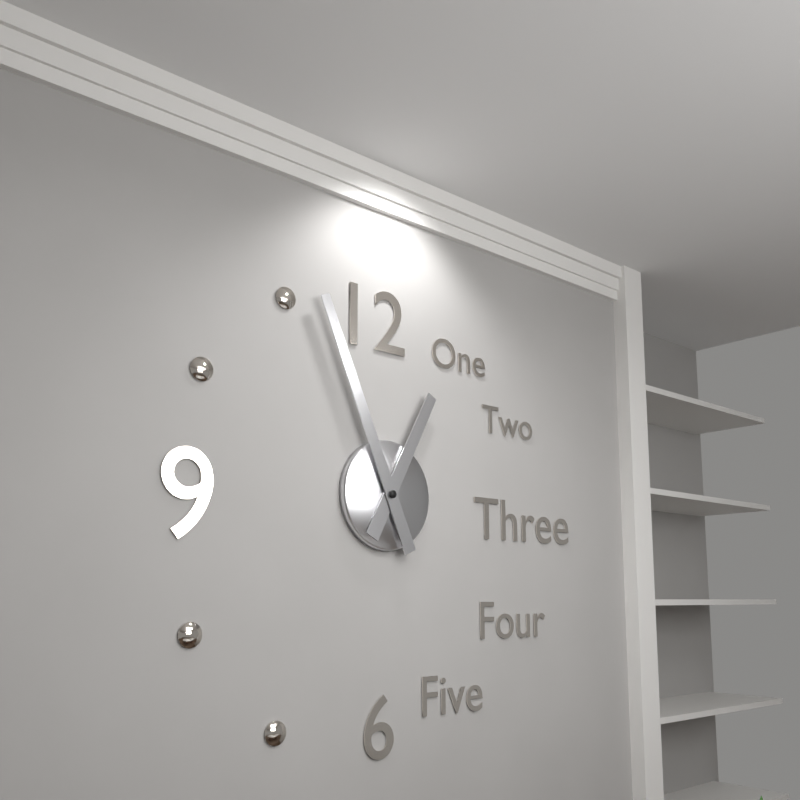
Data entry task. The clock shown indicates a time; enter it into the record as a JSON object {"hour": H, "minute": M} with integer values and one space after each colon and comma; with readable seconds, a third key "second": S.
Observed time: {"hour": 12, "minute": 56}
